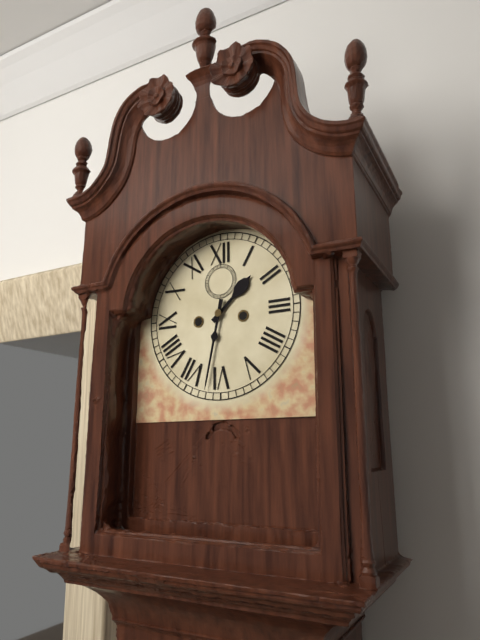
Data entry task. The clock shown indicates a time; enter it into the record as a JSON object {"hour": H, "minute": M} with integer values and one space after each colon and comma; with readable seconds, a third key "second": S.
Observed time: {"hour": 1, "minute": 32}
